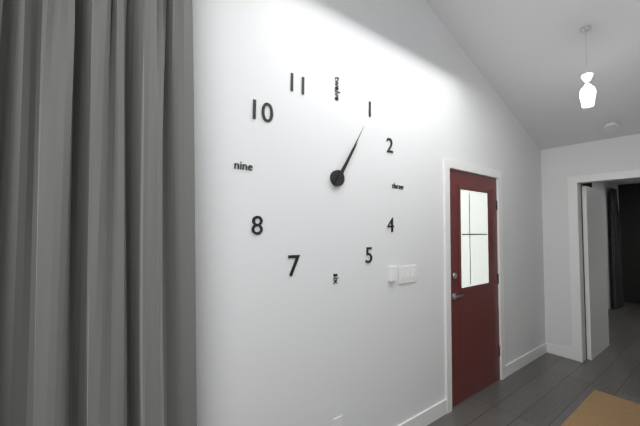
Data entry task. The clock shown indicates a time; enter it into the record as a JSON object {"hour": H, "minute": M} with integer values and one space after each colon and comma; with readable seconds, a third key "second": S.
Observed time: {"hour": 1, "minute": 5}
